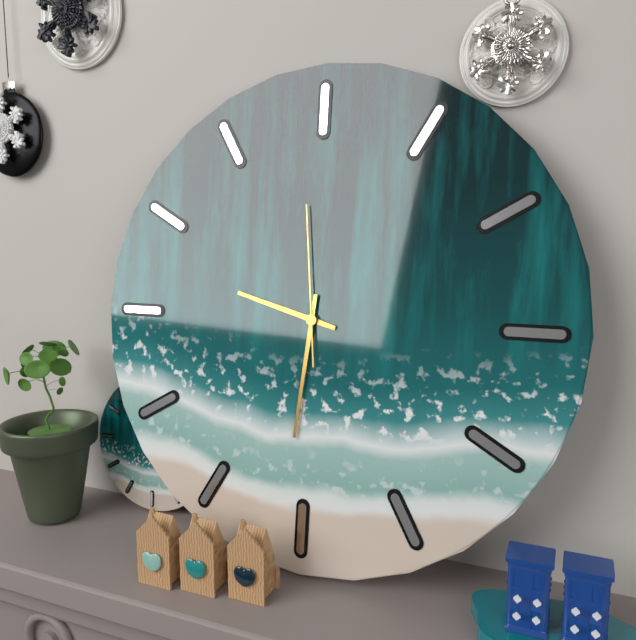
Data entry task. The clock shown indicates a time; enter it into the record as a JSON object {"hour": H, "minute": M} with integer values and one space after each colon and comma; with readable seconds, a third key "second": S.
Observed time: {"hour": 9, "minute": 31, "second": 59}
